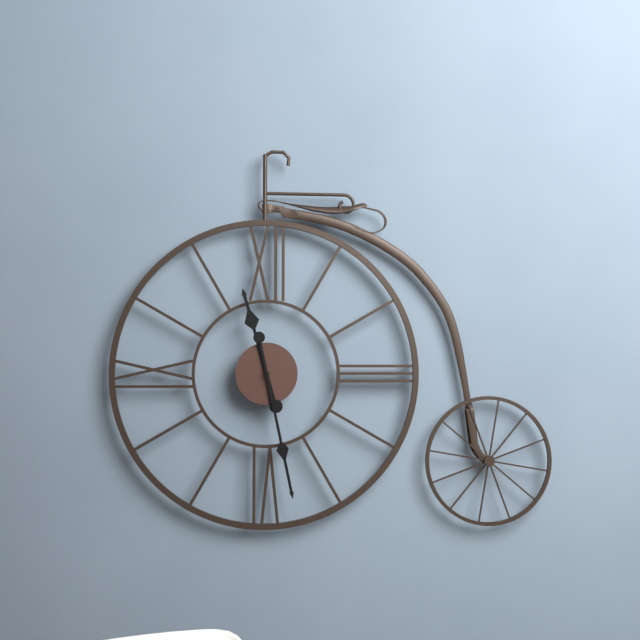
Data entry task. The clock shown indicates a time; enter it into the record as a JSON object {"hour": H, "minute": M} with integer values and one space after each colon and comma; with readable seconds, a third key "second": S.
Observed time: {"hour": 11, "minute": 28}
